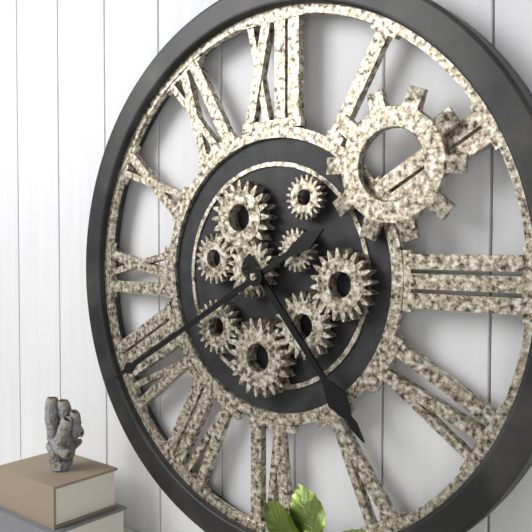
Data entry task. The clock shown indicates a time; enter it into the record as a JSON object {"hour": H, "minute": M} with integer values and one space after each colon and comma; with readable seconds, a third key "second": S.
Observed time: {"hour": 4, "minute": 40}
